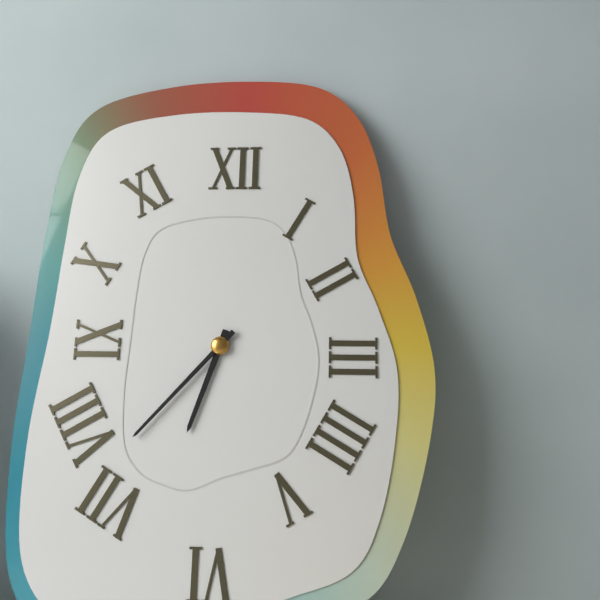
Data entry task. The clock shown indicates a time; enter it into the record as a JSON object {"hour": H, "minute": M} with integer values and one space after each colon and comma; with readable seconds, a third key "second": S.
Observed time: {"hour": 6, "minute": 37}
